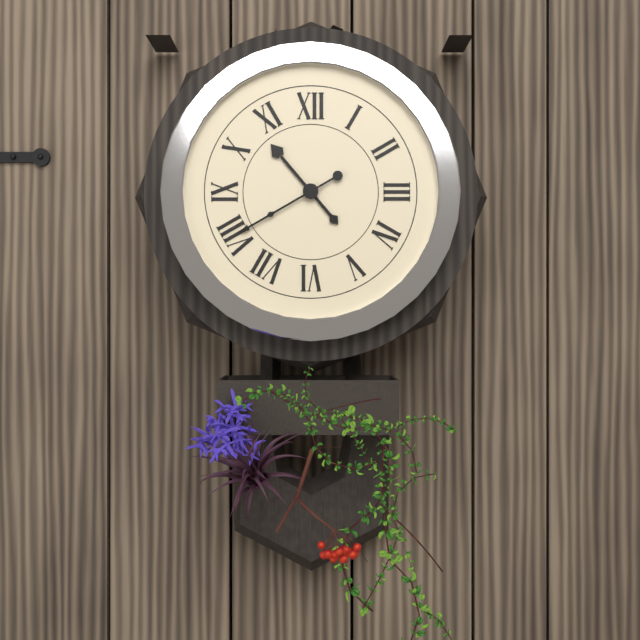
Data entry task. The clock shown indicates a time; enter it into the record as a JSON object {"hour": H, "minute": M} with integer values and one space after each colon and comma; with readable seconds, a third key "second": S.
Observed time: {"hour": 10, "minute": 40}
